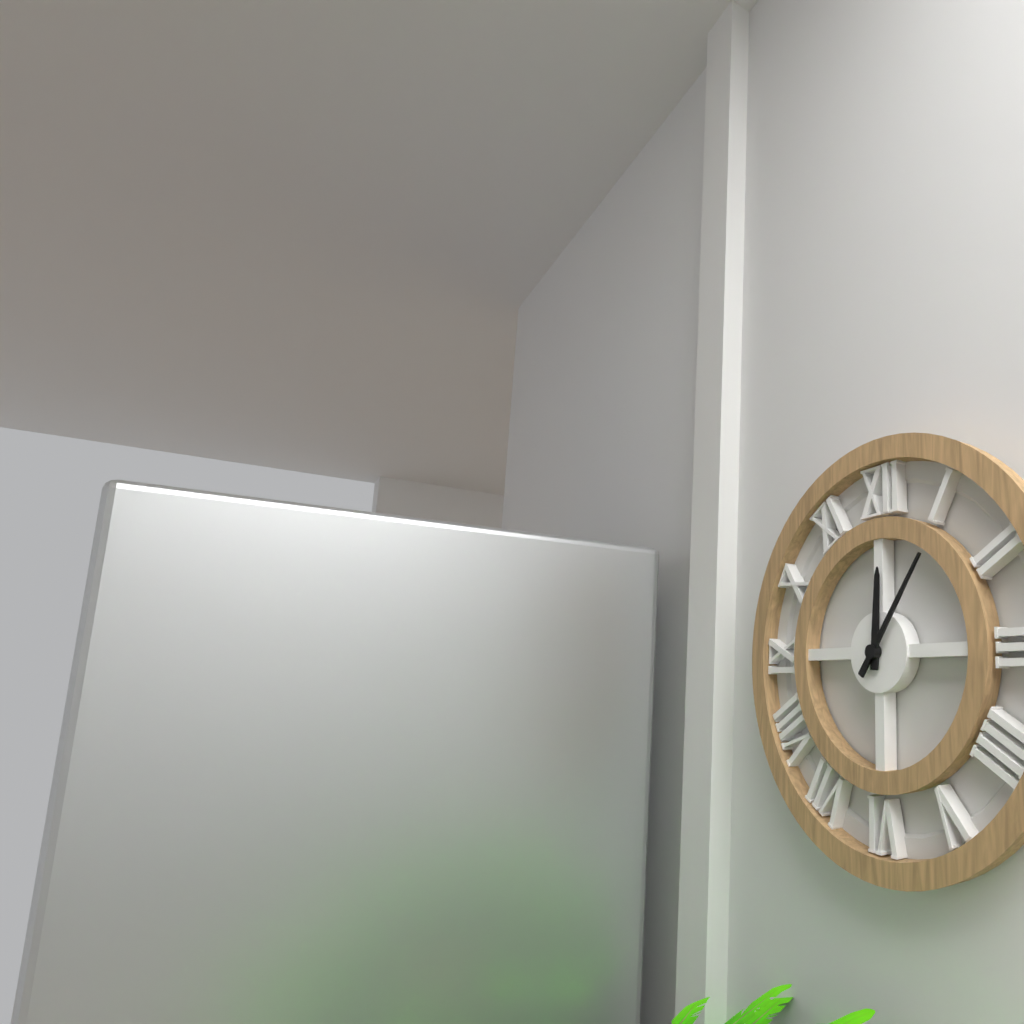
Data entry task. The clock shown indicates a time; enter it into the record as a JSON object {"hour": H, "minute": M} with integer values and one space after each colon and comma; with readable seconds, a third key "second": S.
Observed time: {"hour": 12, "minute": 6}
